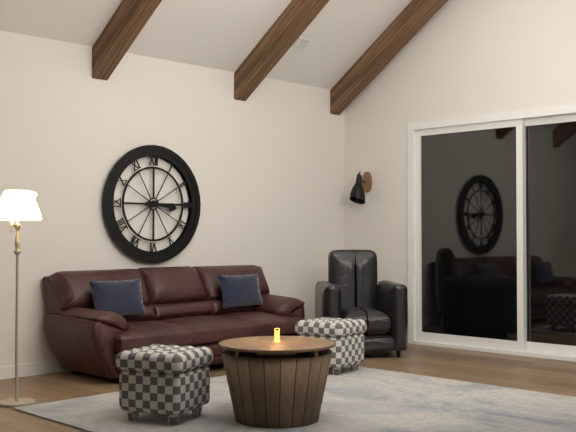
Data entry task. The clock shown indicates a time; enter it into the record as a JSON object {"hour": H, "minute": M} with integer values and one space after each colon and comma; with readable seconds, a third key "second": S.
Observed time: {"hour": 3, "minute": 15}
